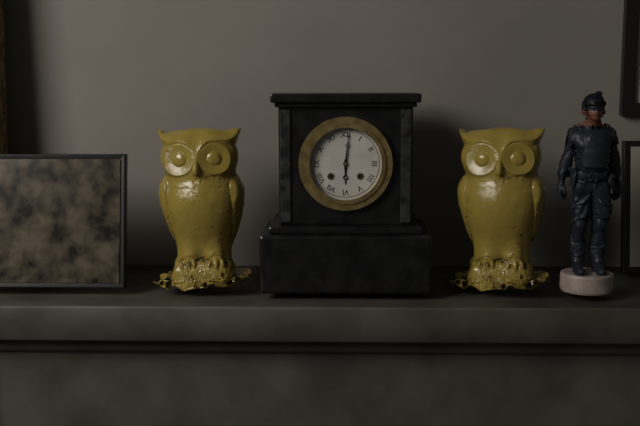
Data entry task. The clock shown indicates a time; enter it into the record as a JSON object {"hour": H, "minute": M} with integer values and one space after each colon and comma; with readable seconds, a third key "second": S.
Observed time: {"hour": 6, "minute": 1}
